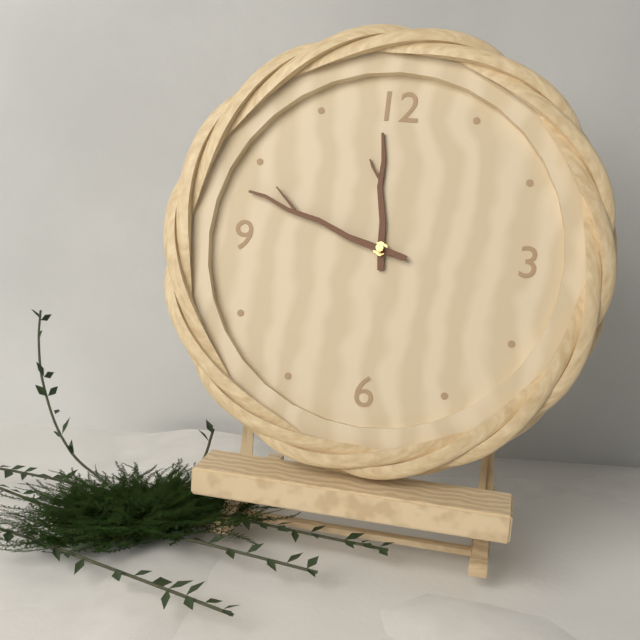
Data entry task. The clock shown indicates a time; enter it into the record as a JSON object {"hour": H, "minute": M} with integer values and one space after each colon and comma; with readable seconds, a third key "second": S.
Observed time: {"hour": 11, "minute": 48}
